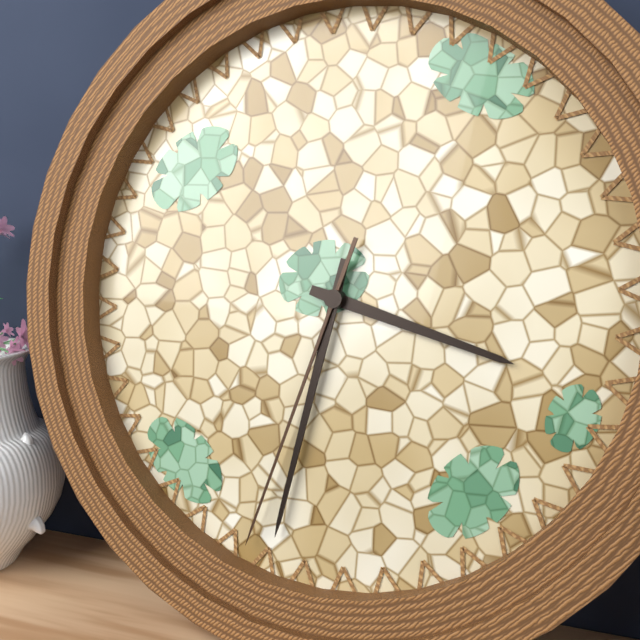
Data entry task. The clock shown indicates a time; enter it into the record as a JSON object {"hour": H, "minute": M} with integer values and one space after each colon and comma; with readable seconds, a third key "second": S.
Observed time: {"hour": 3, "minute": 32, "second": 33}
